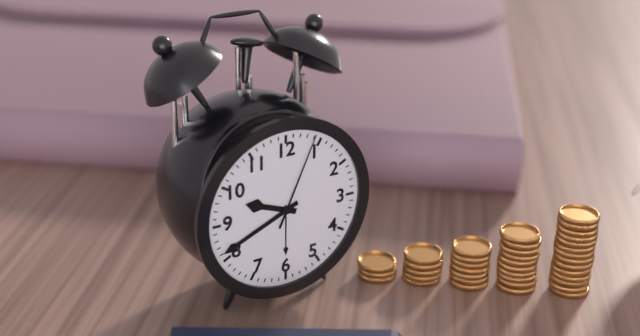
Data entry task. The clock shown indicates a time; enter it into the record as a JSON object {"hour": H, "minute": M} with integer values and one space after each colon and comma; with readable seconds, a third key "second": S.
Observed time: {"hour": 9, "minute": 41, "second": 4}
